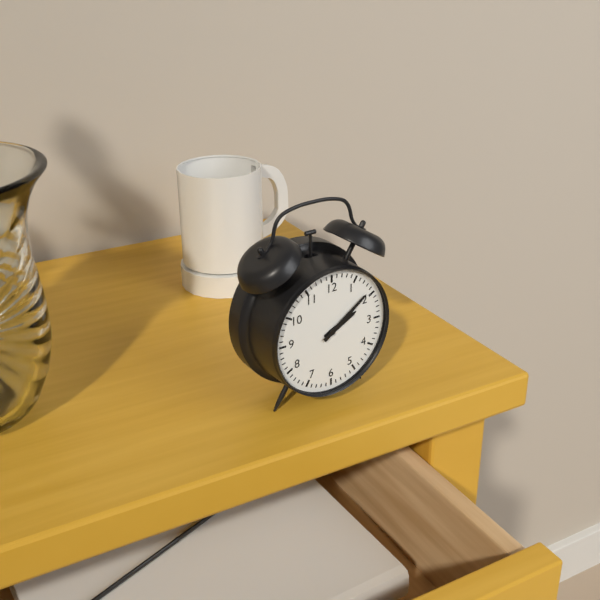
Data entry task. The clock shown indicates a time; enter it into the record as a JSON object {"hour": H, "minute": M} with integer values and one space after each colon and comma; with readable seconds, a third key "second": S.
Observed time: {"hour": 2, "minute": 9}
